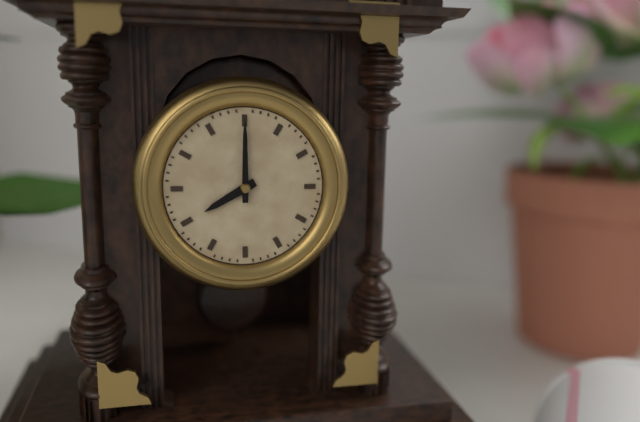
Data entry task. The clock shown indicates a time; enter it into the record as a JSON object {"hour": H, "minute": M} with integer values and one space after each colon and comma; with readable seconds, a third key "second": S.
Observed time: {"hour": 8, "minute": 0}
